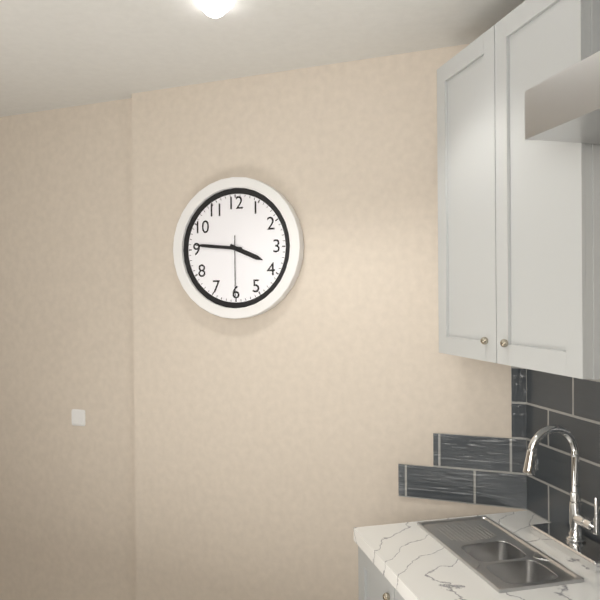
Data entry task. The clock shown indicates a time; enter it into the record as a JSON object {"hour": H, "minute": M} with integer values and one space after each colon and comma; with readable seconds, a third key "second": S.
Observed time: {"hour": 3, "minute": 46, "second": 30}
